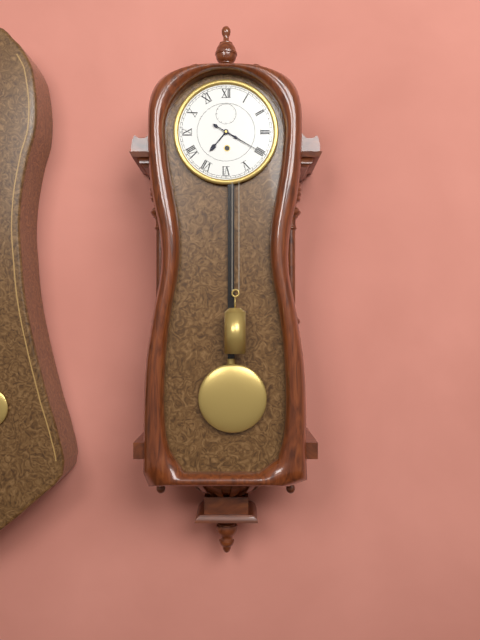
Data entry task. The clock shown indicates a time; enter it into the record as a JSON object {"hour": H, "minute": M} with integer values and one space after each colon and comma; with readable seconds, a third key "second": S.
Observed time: {"hour": 7, "minute": 20}
